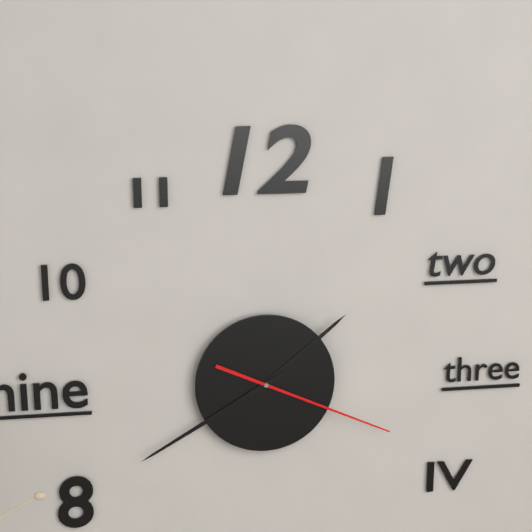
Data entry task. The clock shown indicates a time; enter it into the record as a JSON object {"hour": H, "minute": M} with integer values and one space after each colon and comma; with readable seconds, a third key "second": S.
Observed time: {"hour": 1, "minute": 40, "second": 19}
